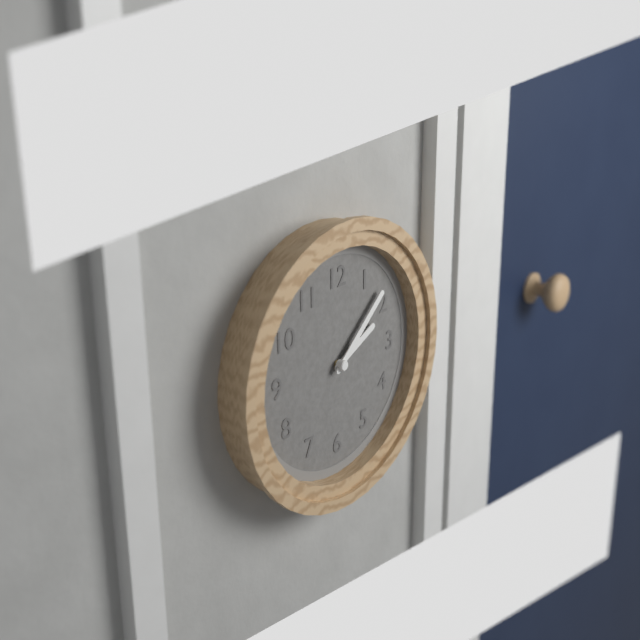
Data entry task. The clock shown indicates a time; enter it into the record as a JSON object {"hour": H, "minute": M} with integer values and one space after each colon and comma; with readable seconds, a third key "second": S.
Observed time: {"hour": 2, "minute": 8}
